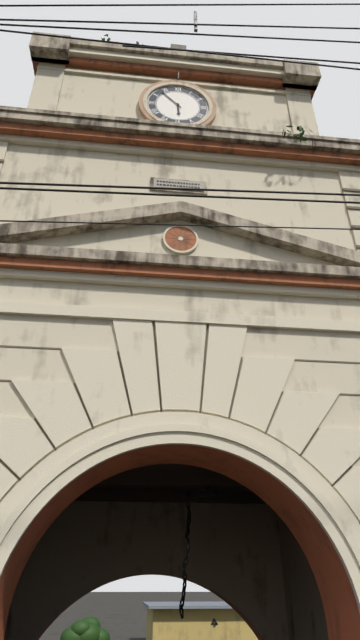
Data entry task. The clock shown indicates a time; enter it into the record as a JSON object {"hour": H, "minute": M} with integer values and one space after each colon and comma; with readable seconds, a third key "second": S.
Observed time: {"hour": 5, "minute": 53}
